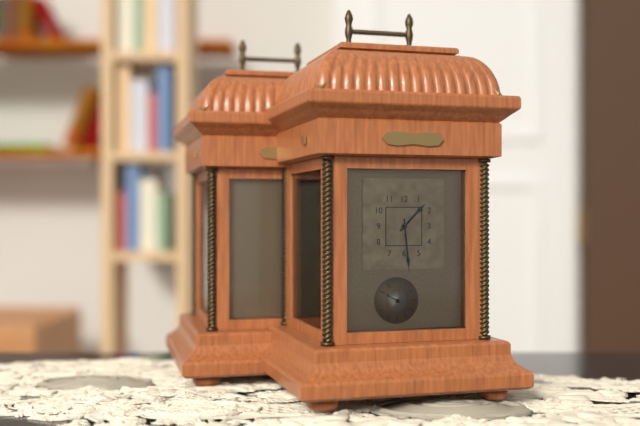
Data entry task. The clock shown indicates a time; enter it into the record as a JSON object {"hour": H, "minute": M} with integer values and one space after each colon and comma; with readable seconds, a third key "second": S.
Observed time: {"hour": 1, "minute": 29}
